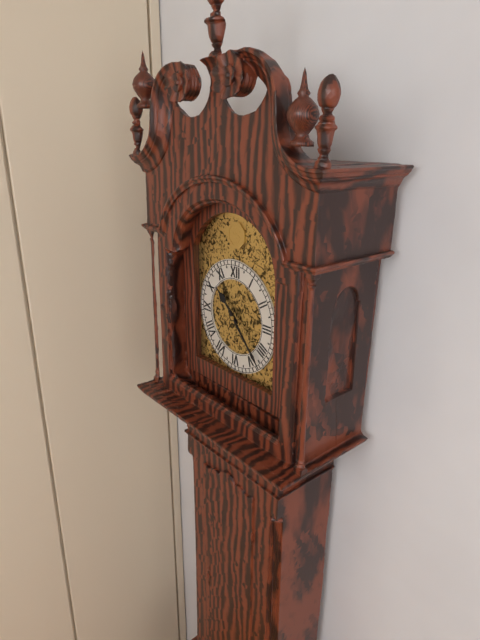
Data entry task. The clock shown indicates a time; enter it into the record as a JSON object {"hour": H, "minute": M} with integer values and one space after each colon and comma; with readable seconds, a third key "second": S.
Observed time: {"hour": 10, "minute": 23}
